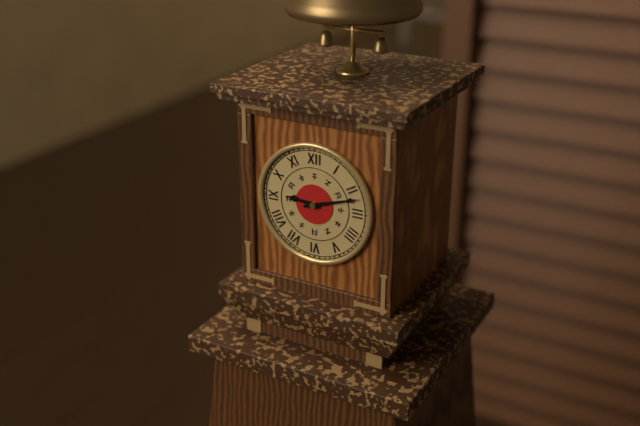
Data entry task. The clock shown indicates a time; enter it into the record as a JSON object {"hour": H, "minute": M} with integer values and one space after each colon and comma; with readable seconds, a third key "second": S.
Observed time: {"hour": 9, "minute": 12}
